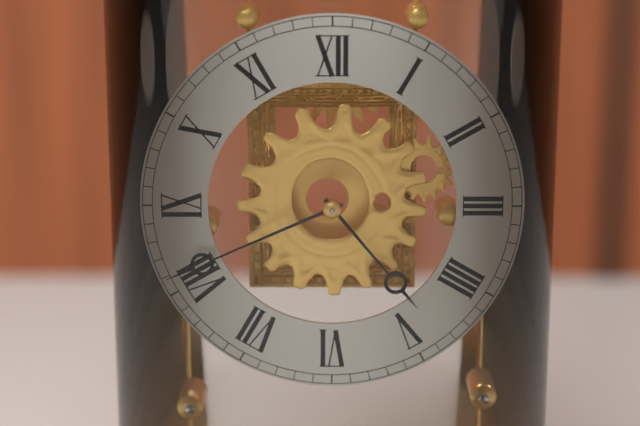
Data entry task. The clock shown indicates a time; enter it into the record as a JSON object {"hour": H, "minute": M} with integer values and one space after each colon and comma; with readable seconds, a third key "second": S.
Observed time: {"hour": 4, "minute": 41}
